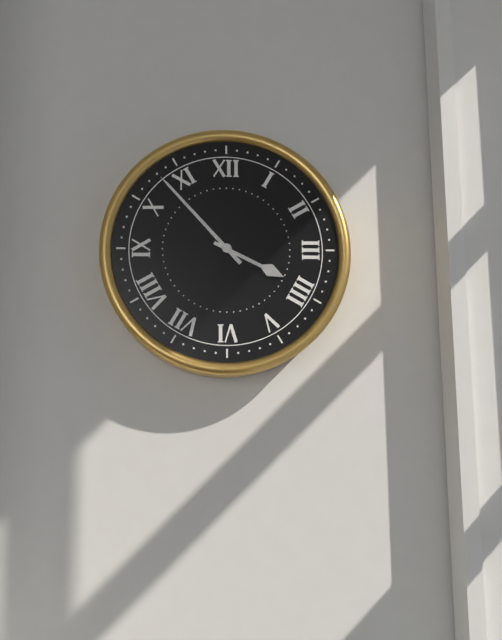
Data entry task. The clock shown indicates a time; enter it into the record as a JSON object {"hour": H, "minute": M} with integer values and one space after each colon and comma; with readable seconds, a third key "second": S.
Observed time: {"hour": 3, "minute": 53}
